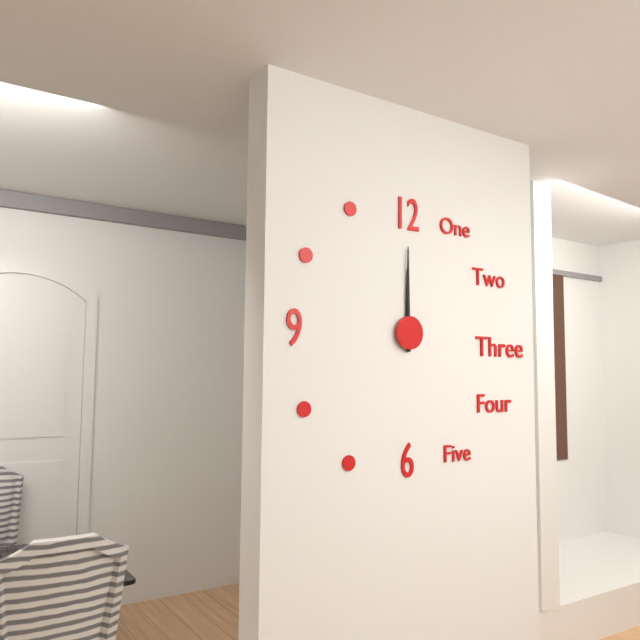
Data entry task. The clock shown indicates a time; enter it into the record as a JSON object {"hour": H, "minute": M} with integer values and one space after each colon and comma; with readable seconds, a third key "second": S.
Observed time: {"hour": 12, "minute": 0}
